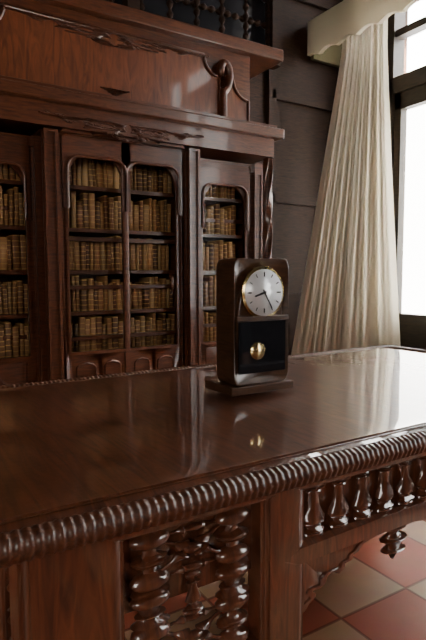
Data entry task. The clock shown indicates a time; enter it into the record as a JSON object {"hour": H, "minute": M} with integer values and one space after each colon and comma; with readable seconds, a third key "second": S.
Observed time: {"hour": 8, "minute": 25}
